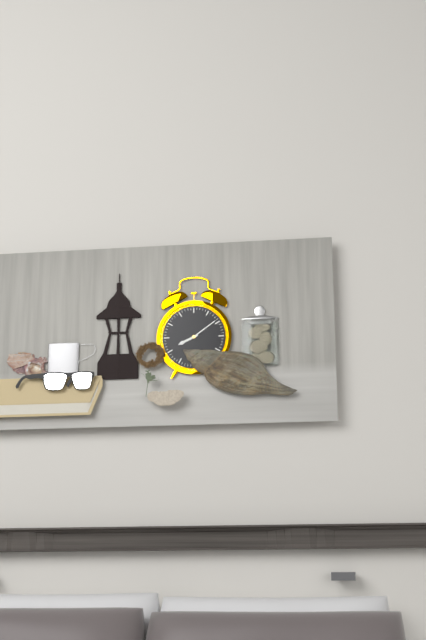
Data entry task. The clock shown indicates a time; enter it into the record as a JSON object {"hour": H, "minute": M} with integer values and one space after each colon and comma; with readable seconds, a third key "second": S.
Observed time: {"hour": 8, "minute": 9}
